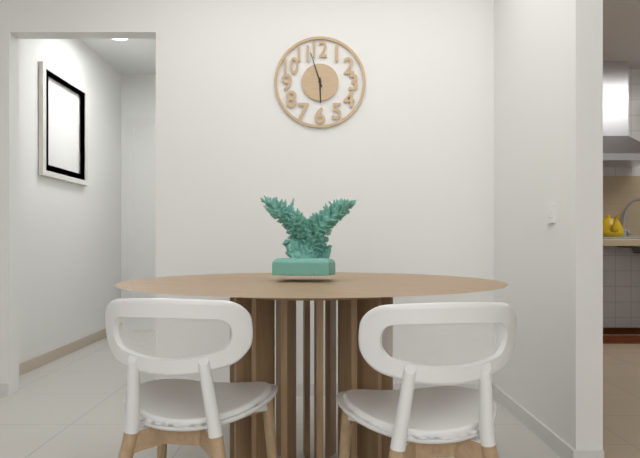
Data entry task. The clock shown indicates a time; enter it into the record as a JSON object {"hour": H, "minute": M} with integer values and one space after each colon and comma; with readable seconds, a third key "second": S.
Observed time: {"hour": 5, "minute": 57}
